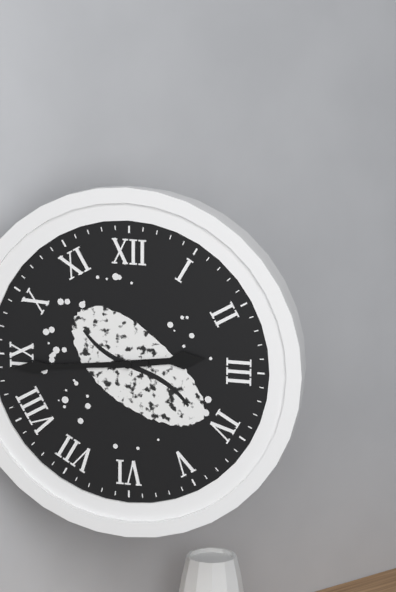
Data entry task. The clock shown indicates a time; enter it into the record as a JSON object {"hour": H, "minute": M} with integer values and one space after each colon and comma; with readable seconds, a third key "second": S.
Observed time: {"hour": 2, "minute": 44}
